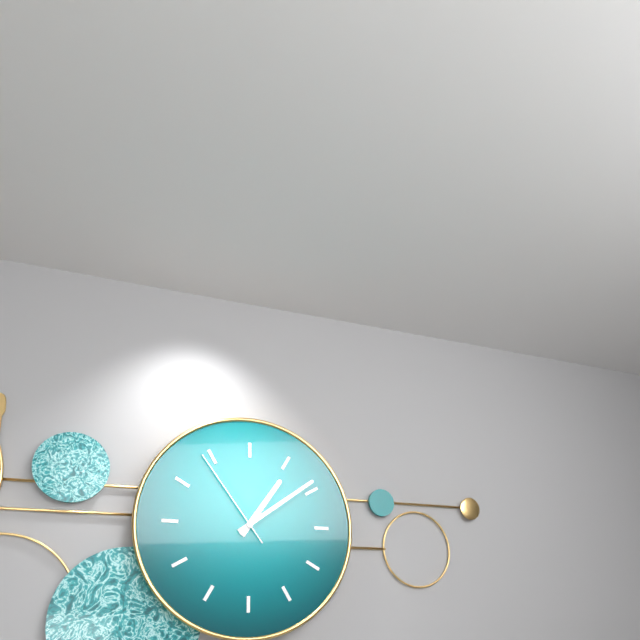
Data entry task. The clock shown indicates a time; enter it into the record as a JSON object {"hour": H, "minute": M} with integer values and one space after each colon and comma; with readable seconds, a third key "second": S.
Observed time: {"hour": 1, "minute": 9, "second": 54}
